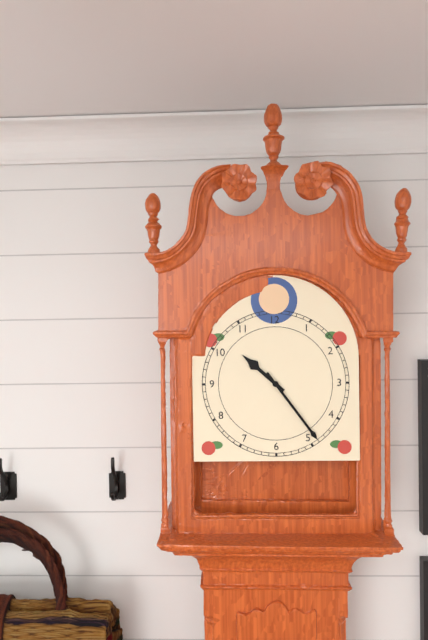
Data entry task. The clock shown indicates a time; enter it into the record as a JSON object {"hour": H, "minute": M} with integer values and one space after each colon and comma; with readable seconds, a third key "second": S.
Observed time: {"hour": 10, "minute": 24}
